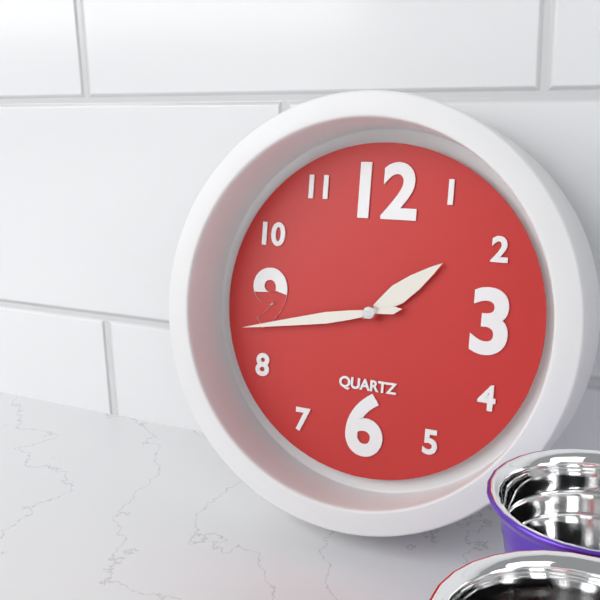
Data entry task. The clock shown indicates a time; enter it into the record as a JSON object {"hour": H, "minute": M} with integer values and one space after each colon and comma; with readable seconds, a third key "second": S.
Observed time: {"hour": 1, "minute": 43}
